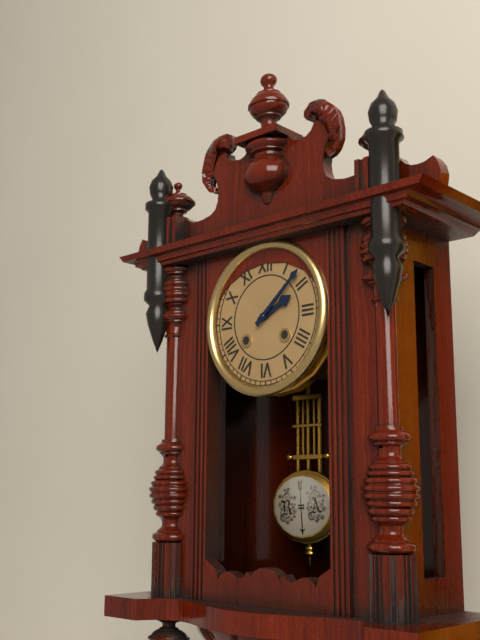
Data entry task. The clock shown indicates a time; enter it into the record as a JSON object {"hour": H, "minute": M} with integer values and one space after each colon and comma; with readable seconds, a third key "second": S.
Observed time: {"hour": 2, "minute": 8}
